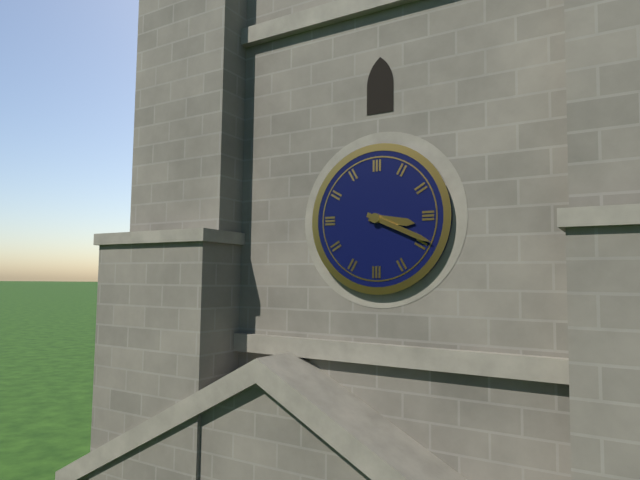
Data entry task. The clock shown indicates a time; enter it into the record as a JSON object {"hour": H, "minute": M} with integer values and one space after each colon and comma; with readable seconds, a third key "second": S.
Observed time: {"hour": 3, "minute": 19}
